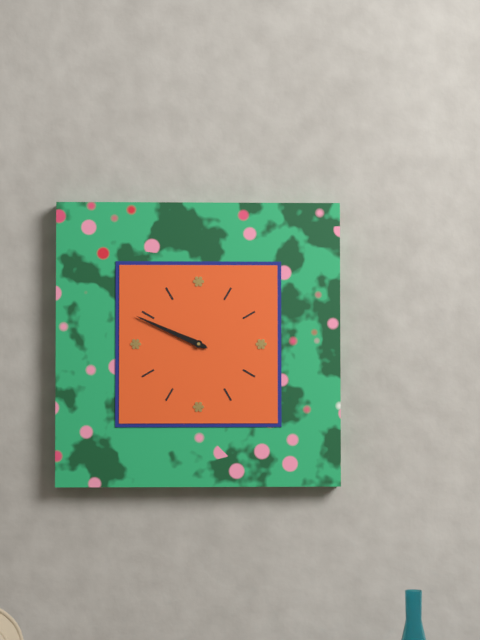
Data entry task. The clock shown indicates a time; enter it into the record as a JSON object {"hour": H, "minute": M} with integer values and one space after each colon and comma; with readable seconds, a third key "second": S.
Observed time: {"hour": 9, "minute": 49}
